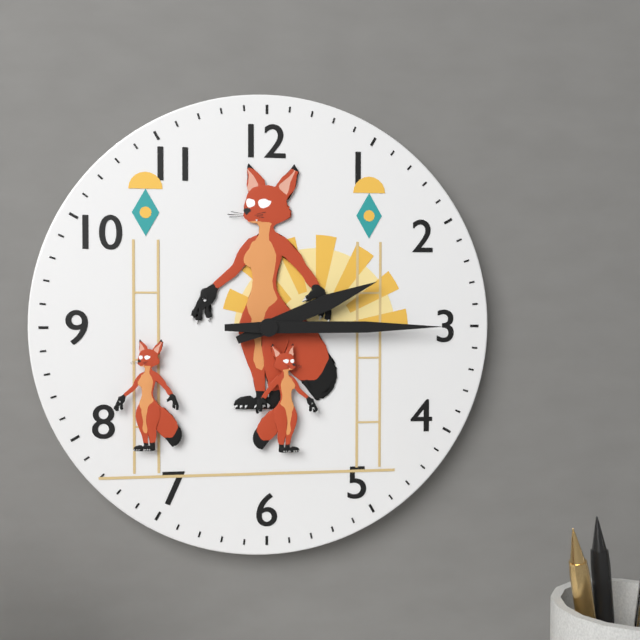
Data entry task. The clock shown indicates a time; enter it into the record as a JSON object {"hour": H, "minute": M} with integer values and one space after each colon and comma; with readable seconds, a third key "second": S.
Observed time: {"hour": 2, "minute": 15}
